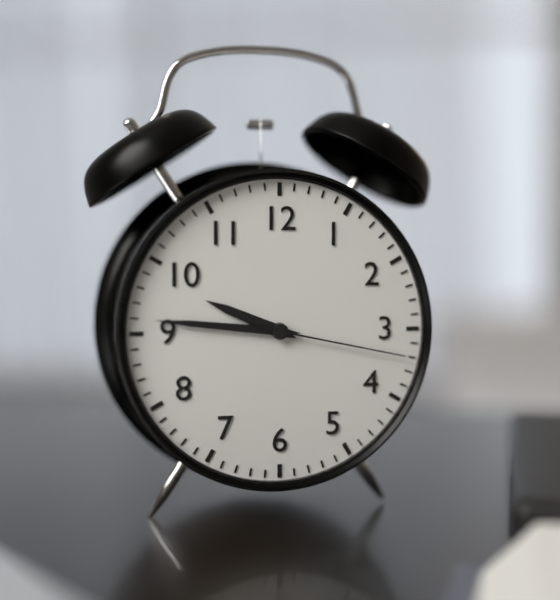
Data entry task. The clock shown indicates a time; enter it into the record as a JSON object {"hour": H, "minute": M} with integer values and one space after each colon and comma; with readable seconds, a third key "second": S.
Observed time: {"hour": 9, "minute": 46, "second": 17}
